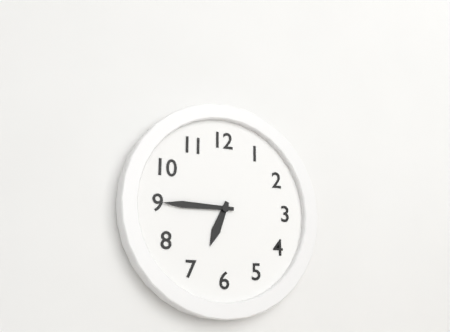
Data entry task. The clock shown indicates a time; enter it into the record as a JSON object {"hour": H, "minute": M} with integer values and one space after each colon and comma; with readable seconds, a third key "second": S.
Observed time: {"hour": 6, "minute": 45}
